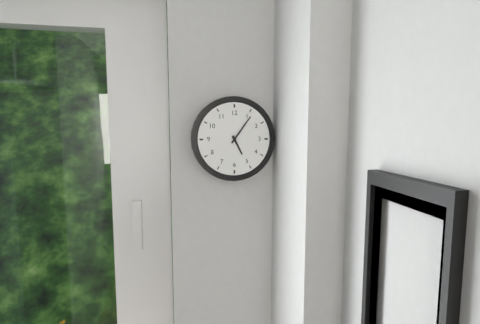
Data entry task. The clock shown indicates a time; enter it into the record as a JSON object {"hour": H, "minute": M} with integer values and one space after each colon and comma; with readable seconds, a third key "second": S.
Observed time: {"hour": 5, "minute": 6}
